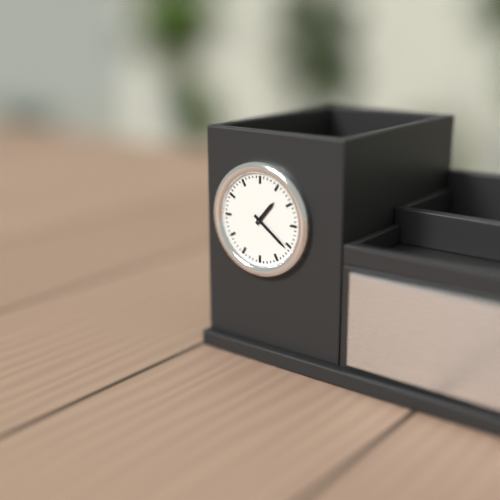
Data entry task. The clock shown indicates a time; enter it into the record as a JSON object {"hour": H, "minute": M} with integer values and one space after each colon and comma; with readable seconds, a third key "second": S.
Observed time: {"hour": 1, "minute": 21}
